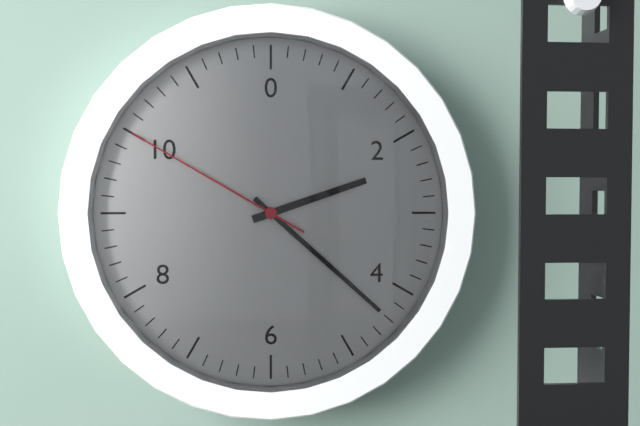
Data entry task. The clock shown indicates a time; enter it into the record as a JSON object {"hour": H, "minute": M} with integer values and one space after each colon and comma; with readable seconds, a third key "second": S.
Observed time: {"hour": 2, "minute": 22, "second": 50}
